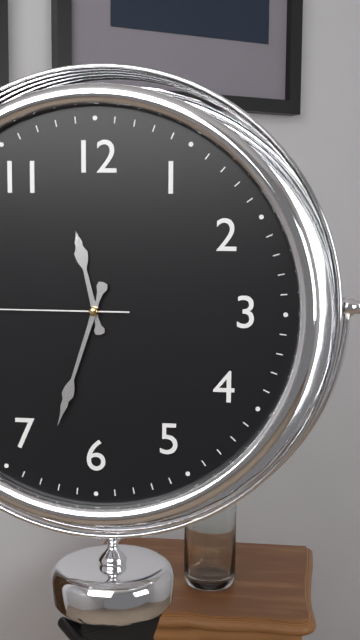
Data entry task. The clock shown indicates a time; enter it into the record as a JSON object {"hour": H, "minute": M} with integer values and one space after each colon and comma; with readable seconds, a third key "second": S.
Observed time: {"hour": 11, "minute": 33}
